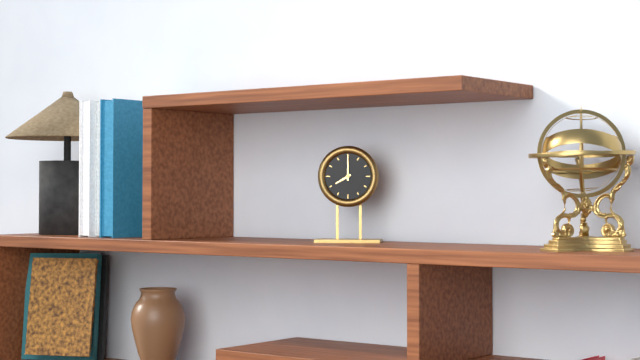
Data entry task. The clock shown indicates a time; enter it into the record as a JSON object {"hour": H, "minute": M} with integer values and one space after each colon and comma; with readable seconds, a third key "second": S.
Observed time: {"hour": 8, "minute": 0}
